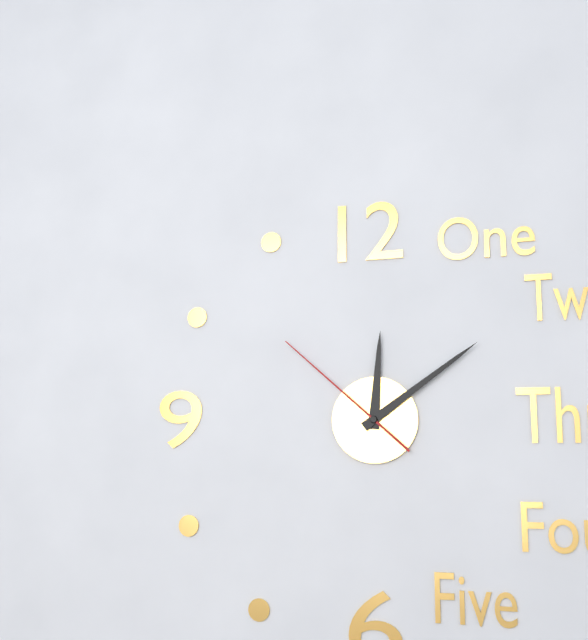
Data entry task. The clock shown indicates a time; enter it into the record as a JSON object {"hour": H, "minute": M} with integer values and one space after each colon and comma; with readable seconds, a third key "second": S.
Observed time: {"hour": 12, "minute": 9, "second": 52}
